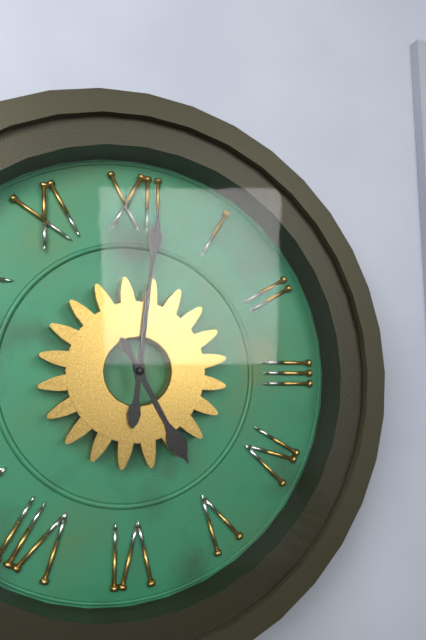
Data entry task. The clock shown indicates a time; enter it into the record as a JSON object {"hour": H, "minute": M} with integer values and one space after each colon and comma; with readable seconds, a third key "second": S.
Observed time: {"hour": 5, "minute": 1}
